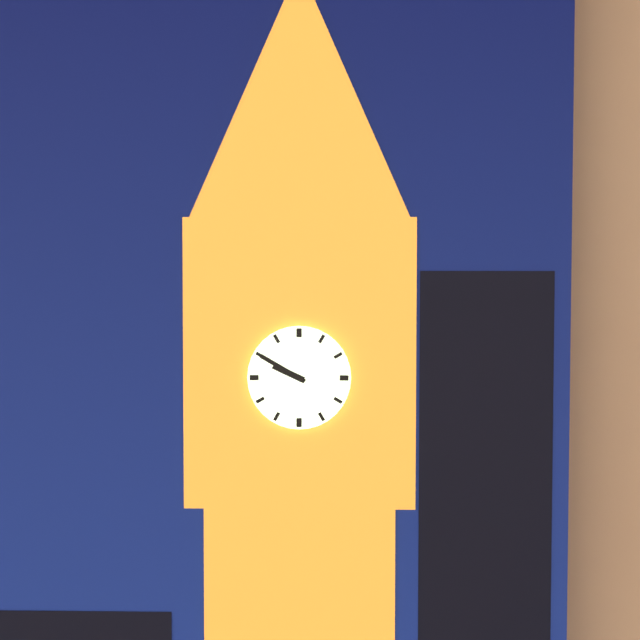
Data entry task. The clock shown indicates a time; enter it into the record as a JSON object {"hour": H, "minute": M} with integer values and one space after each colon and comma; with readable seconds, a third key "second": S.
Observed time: {"hour": 9, "minute": 50}
